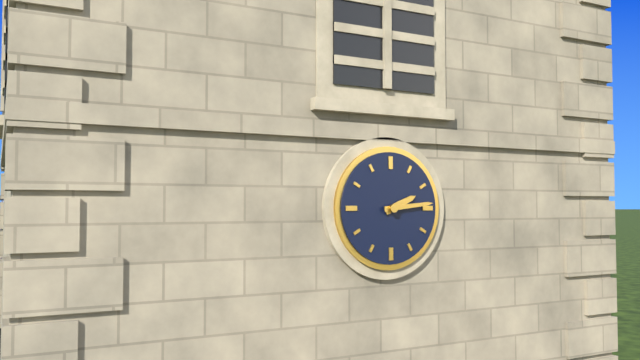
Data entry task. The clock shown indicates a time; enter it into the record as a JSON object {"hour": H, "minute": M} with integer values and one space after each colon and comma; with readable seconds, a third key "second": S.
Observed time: {"hour": 2, "minute": 14}
